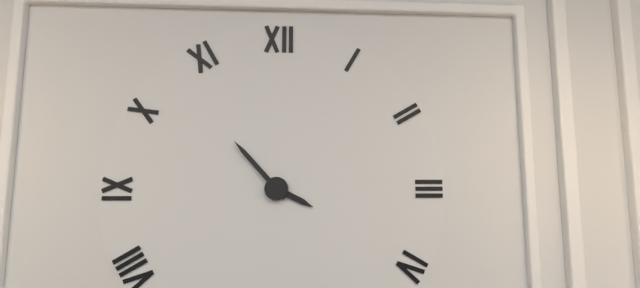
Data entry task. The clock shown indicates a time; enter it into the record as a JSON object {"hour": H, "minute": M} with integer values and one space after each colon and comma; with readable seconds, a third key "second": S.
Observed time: {"hour": 3, "minute": 53}
